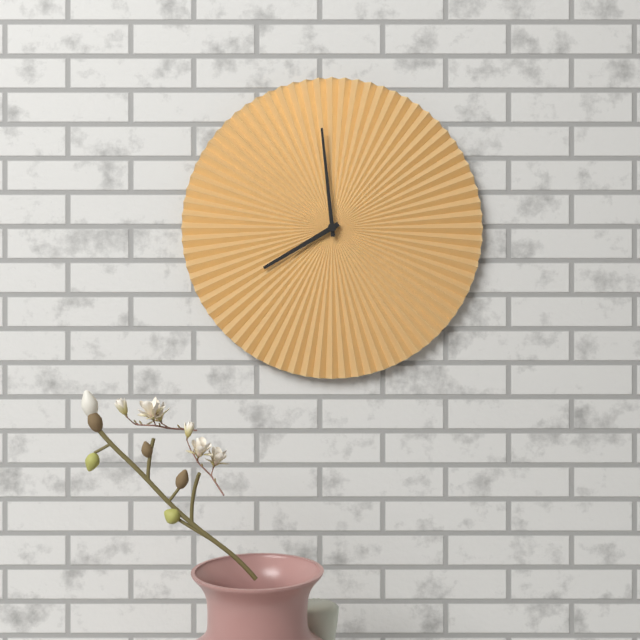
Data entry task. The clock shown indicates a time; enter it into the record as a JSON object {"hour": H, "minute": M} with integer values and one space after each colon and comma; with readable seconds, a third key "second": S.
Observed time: {"hour": 7, "minute": 59}
